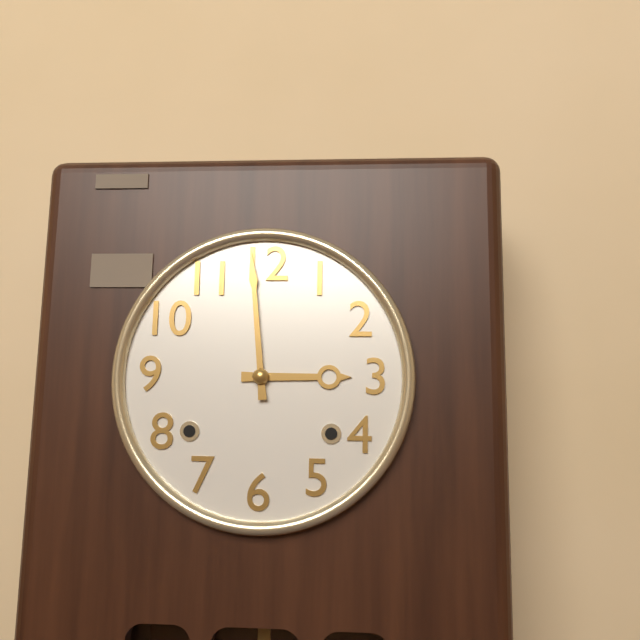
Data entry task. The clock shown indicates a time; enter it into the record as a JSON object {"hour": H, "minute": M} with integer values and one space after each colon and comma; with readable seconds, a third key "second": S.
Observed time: {"hour": 2, "minute": 59}
